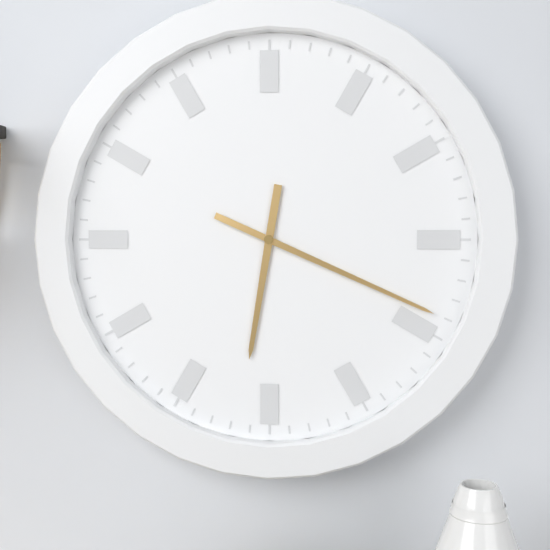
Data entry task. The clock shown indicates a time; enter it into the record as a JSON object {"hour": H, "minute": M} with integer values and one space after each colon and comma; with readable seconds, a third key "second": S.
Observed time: {"hour": 6, "minute": 19}
